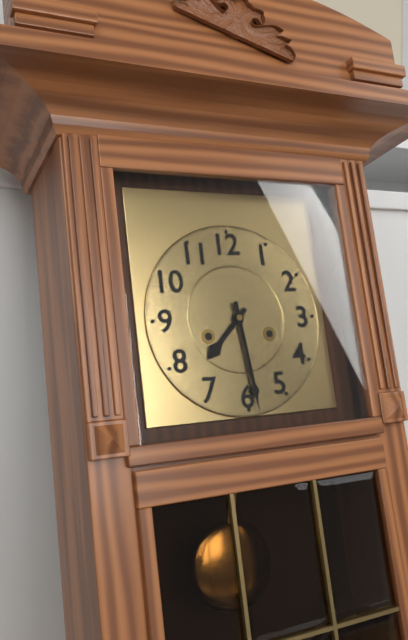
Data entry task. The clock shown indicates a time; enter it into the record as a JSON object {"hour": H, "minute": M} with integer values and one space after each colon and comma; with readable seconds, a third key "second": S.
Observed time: {"hour": 7, "minute": 29}
